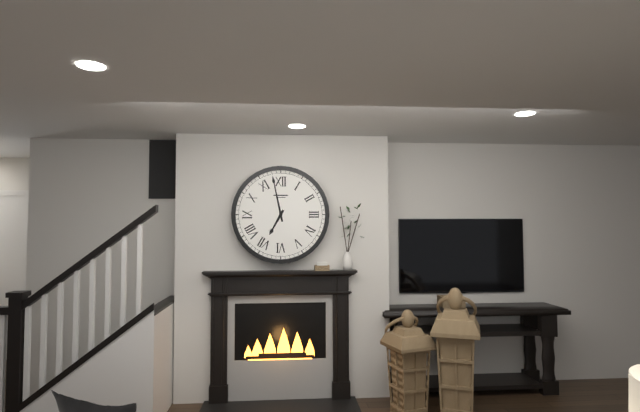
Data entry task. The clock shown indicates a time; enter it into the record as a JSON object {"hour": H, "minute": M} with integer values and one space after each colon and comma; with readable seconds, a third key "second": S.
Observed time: {"hour": 6, "minute": 58}
